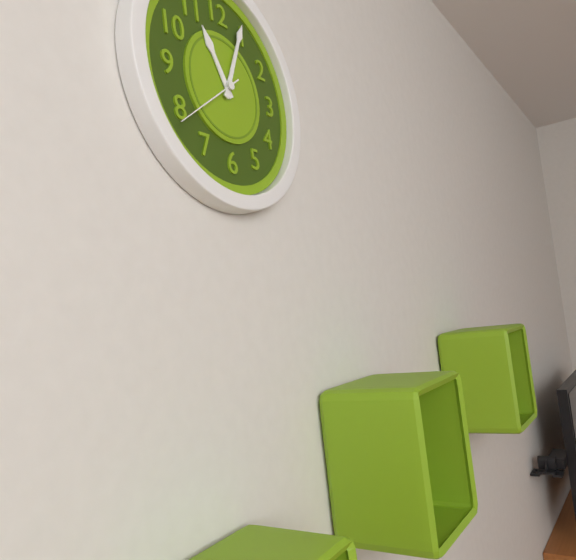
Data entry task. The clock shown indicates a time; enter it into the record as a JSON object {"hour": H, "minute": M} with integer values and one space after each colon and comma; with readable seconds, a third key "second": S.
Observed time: {"hour": 11, "minute": 4, "second": 39}
